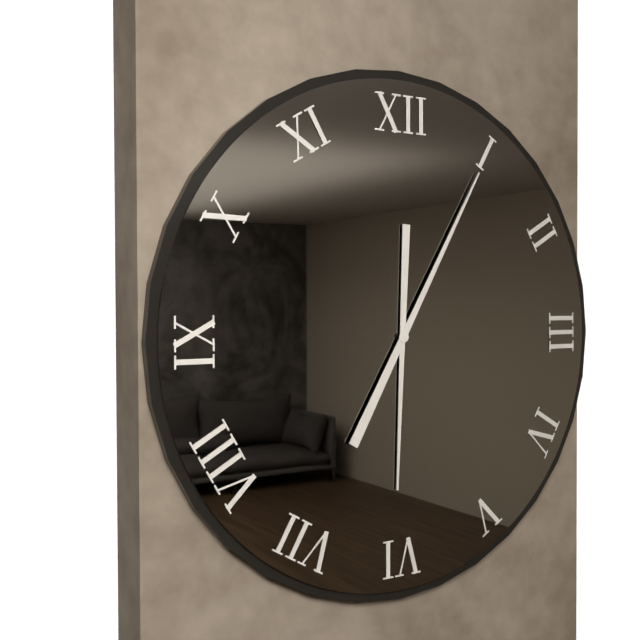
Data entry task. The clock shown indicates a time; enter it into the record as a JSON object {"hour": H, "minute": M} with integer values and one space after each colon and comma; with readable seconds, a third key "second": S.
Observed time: {"hour": 6, "minute": 5}
